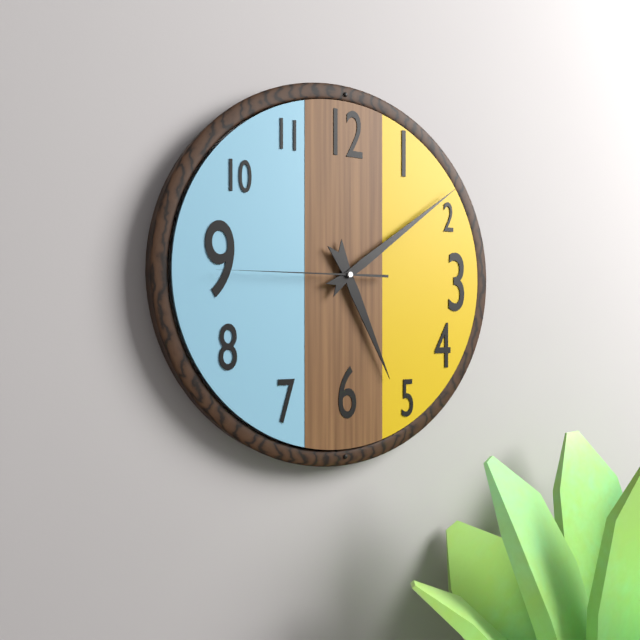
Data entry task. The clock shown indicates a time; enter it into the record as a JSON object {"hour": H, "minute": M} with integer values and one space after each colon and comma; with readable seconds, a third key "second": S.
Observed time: {"hour": 5, "minute": 9, "second": 45}
